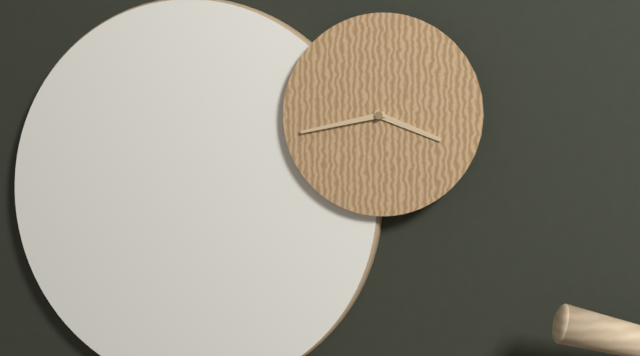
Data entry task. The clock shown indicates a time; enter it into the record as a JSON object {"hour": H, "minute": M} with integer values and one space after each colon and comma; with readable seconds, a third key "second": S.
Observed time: {"hour": 3, "minute": 43}
